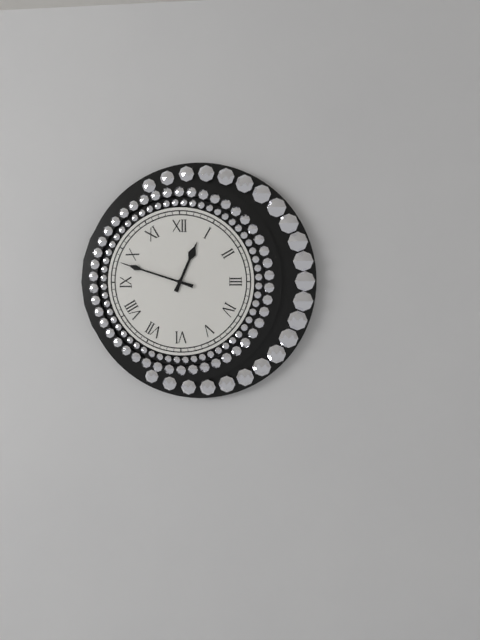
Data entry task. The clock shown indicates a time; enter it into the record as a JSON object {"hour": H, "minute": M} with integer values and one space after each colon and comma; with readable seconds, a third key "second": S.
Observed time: {"hour": 12, "minute": 48}
